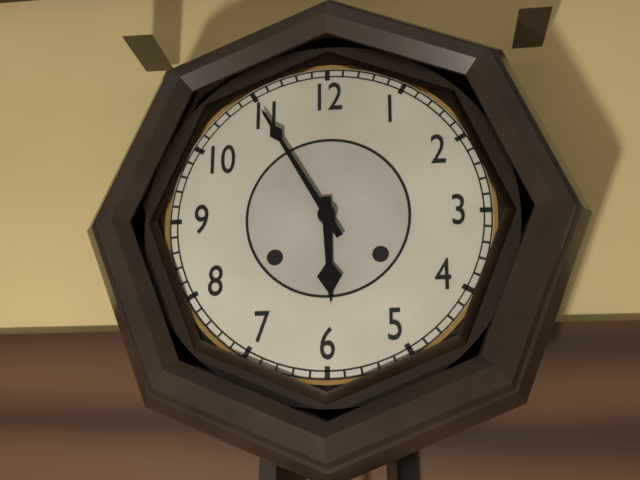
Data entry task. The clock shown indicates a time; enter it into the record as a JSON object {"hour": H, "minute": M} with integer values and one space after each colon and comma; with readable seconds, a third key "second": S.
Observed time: {"hour": 5, "minute": 55}
